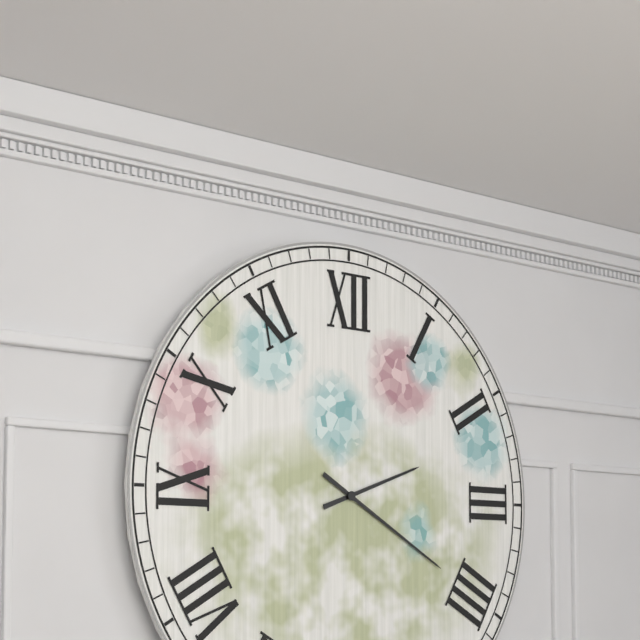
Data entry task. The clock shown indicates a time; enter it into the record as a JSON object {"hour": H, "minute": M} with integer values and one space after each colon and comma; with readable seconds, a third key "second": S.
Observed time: {"hour": 2, "minute": 20}
